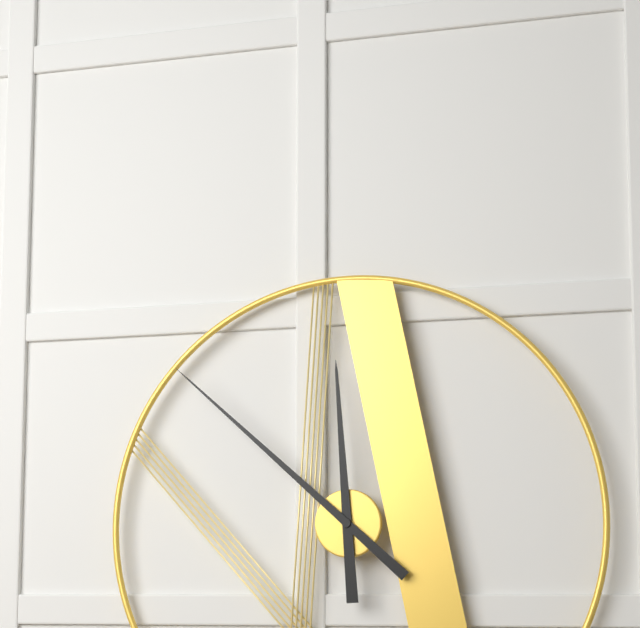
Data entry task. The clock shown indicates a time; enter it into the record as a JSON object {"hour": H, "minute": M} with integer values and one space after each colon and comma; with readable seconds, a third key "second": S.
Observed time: {"hour": 11, "minute": 52}
